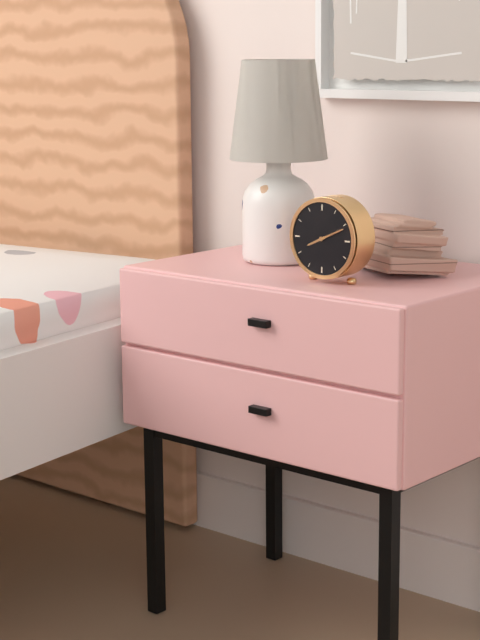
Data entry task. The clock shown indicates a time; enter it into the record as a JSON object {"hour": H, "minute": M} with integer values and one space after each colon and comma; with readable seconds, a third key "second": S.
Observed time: {"hour": 8, "minute": 11}
